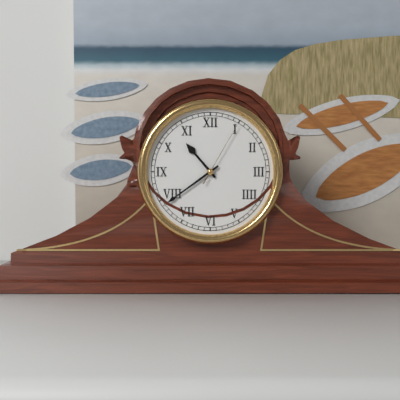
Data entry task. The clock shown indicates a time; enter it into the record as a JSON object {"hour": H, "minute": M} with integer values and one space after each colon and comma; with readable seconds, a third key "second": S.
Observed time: {"hour": 10, "minute": 39, "second": 5}
